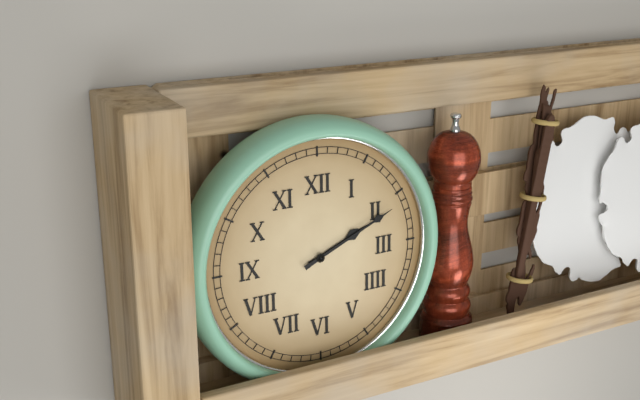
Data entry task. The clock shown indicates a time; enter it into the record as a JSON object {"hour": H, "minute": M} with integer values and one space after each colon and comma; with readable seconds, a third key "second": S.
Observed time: {"hour": 2, "minute": 11}
